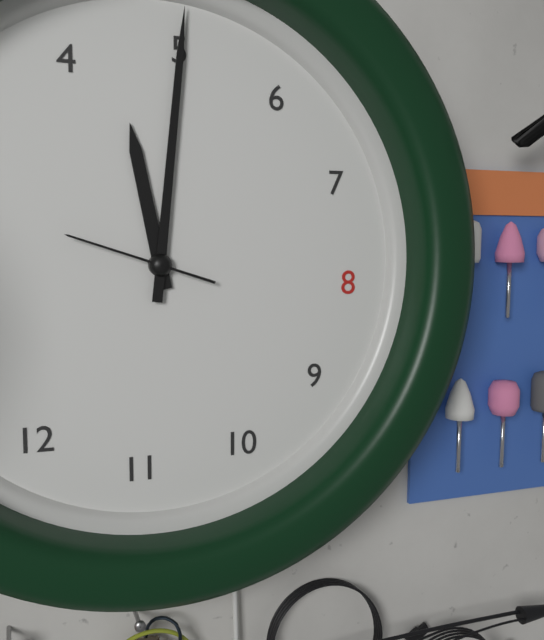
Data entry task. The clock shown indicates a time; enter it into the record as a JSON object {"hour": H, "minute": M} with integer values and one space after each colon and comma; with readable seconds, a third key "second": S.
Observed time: {"hour": 4, "minute": 25, "second": 12}
